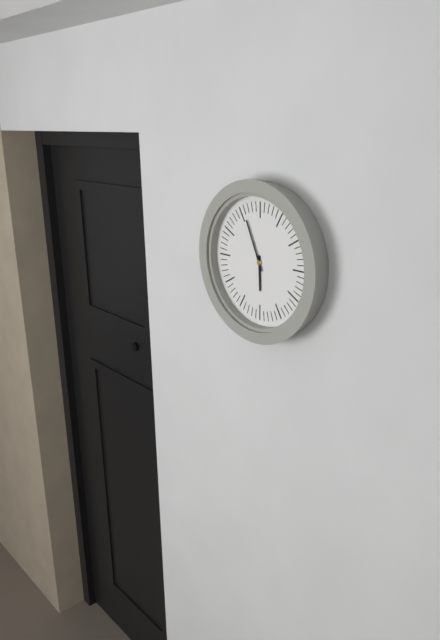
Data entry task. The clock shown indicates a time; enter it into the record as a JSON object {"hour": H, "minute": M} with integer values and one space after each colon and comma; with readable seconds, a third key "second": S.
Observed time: {"hour": 5, "minute": 56}
